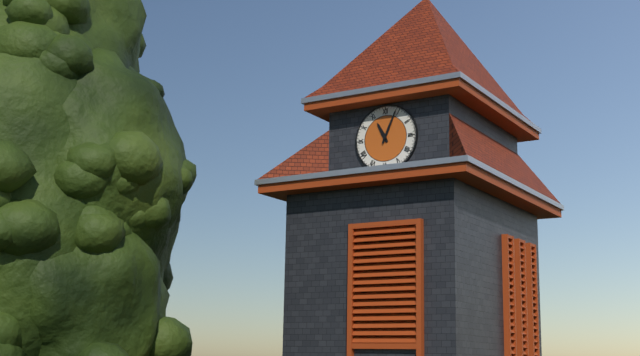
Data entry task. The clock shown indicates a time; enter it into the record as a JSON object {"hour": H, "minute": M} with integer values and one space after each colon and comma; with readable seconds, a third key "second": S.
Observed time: {"hour": 11, "minute": 4}
